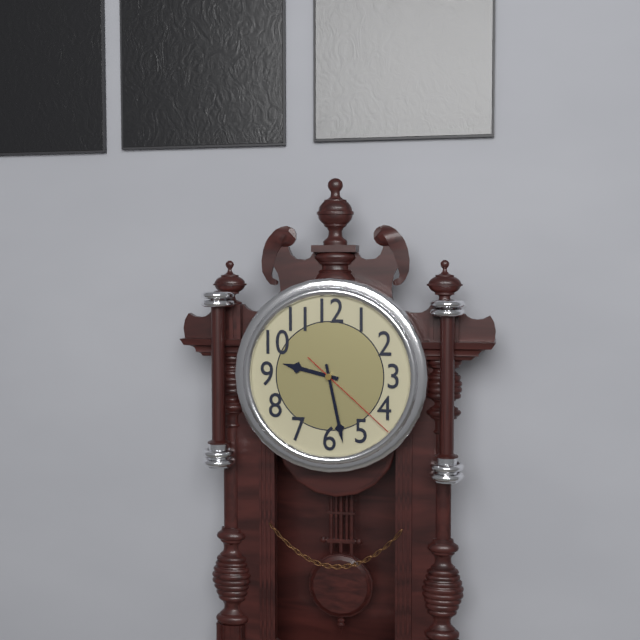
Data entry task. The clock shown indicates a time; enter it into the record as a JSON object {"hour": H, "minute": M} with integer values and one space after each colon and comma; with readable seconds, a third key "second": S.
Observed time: {"hour": 9, "minute": 28, "second": 22}
